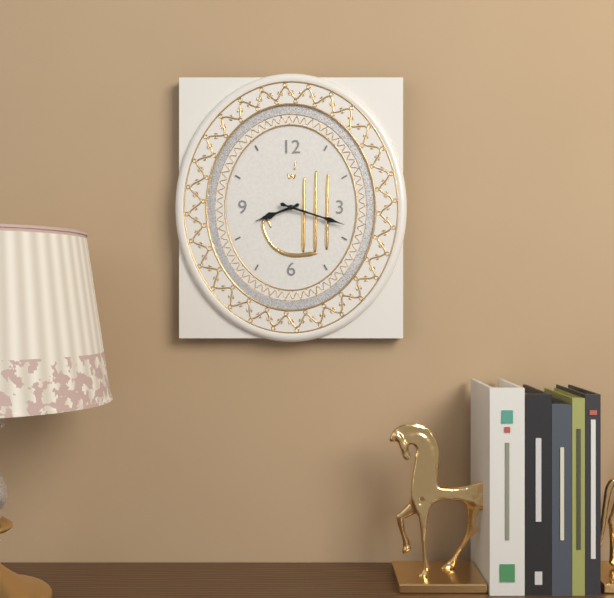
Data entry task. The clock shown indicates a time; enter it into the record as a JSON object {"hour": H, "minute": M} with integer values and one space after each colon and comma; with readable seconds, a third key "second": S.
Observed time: {"hour": 8, "minute": 18}
